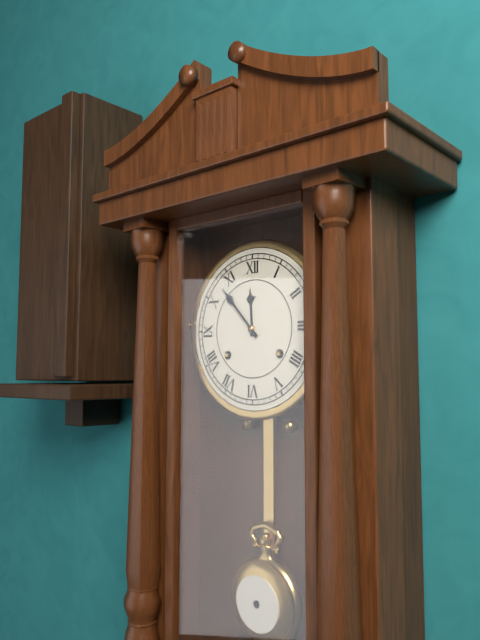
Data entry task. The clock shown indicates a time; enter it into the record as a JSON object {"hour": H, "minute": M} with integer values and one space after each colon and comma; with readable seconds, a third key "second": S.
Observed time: {"hour": 11, "minute": 53}
